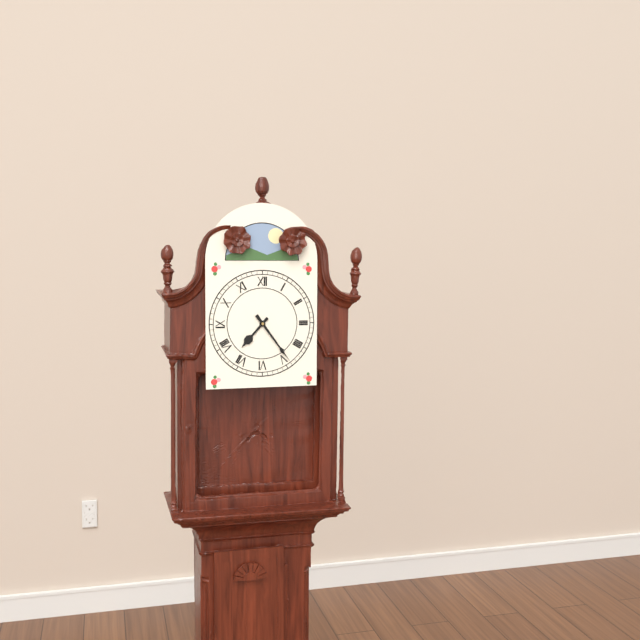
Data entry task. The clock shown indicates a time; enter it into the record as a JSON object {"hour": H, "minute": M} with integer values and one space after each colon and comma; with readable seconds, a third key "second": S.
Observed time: {"hour": 7, "minute": 24}
